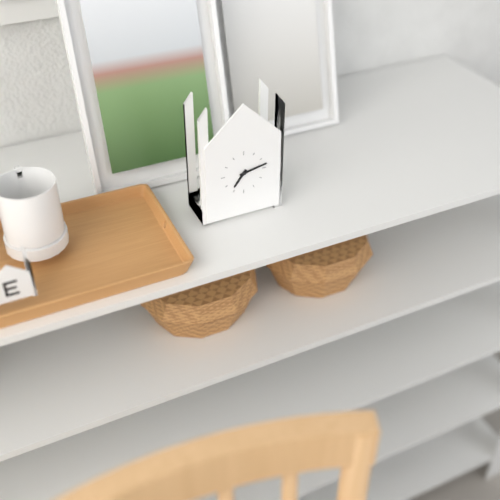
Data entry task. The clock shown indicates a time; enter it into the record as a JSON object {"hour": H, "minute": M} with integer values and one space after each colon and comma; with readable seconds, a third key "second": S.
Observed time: {"hour": 7, "minute": 13}
